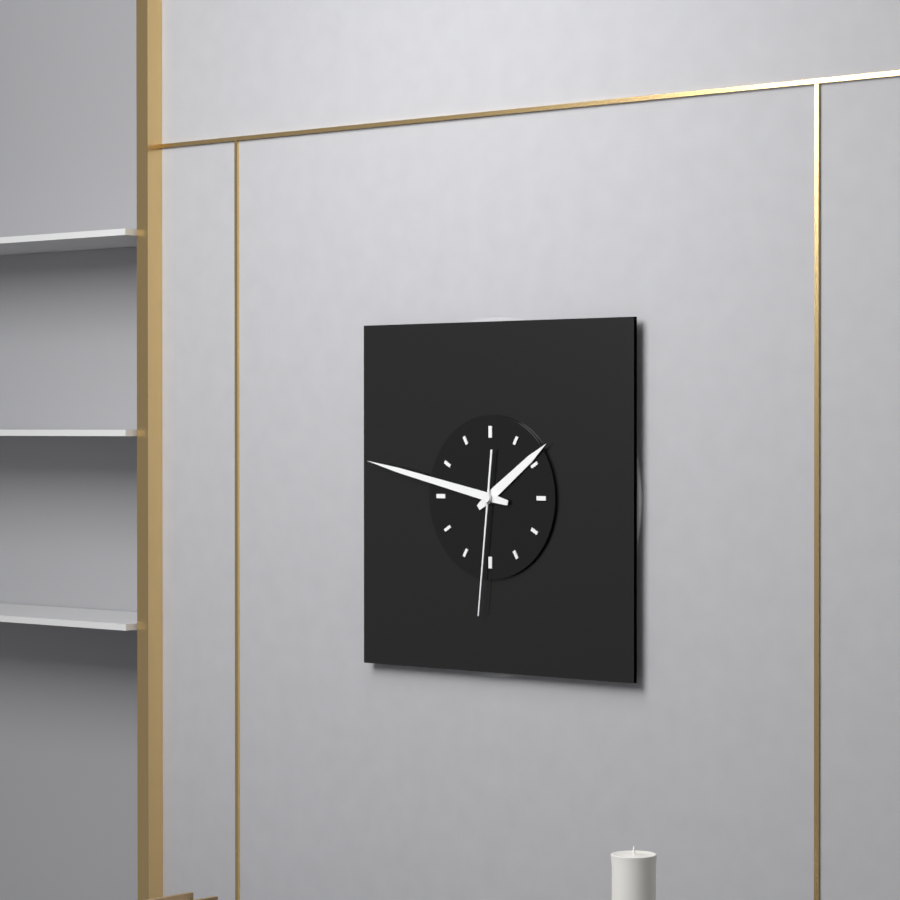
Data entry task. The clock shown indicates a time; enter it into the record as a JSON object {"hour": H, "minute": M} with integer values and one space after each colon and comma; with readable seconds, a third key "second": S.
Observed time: {"hour": 1, "minute": 47, "second": 31}
